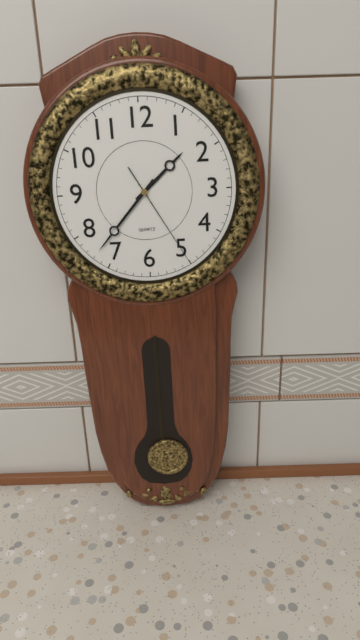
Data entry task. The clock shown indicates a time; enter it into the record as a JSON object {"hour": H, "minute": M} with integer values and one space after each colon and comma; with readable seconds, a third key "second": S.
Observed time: {"hour": 1, "minute": 37, "second": 25}
